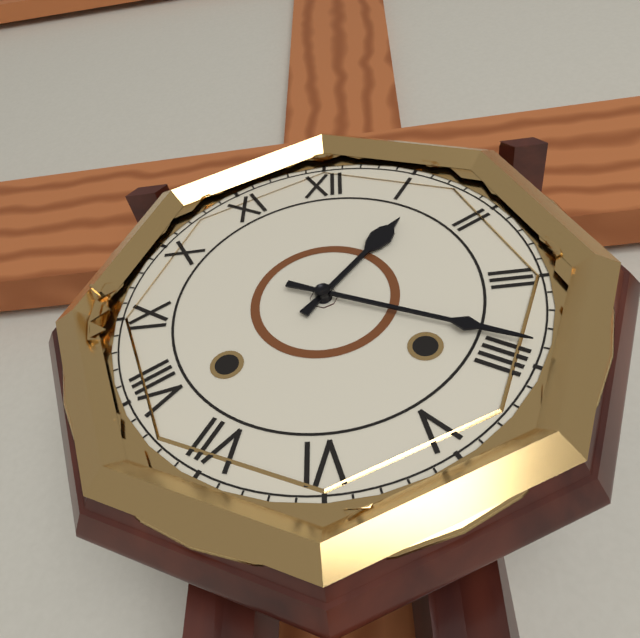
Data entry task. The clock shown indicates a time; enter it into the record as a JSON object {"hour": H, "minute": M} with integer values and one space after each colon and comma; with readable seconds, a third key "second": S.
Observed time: {"hour": 1, "minute": 19}
